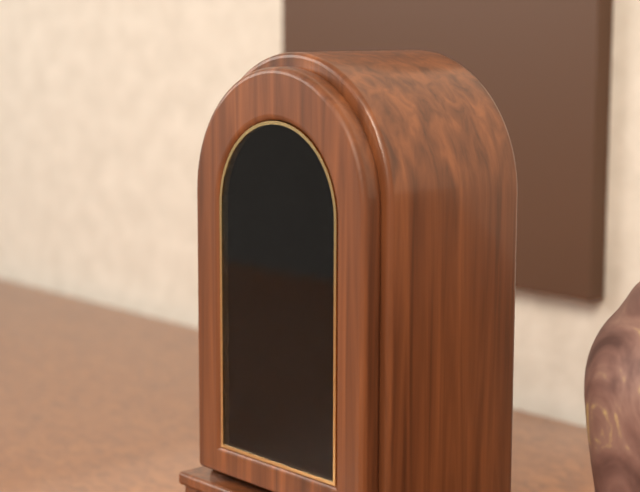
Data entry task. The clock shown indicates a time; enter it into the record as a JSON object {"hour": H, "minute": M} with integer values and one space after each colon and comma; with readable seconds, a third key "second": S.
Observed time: {"hour": 9, "minute": 23}
